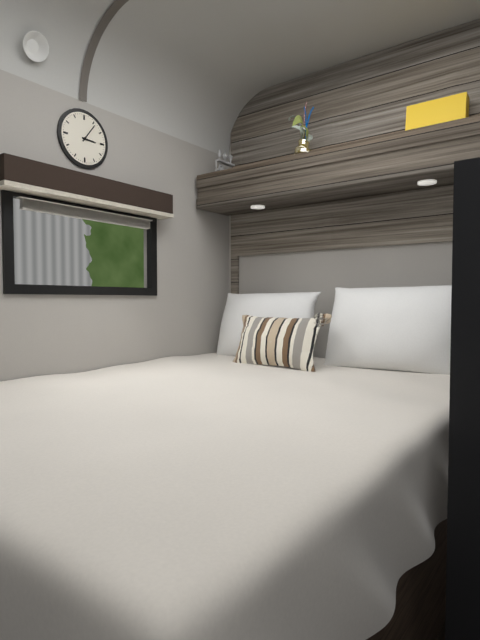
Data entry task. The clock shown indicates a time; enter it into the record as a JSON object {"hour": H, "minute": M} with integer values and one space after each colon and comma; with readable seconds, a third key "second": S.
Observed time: {"hour": 3, "minute": 6}
